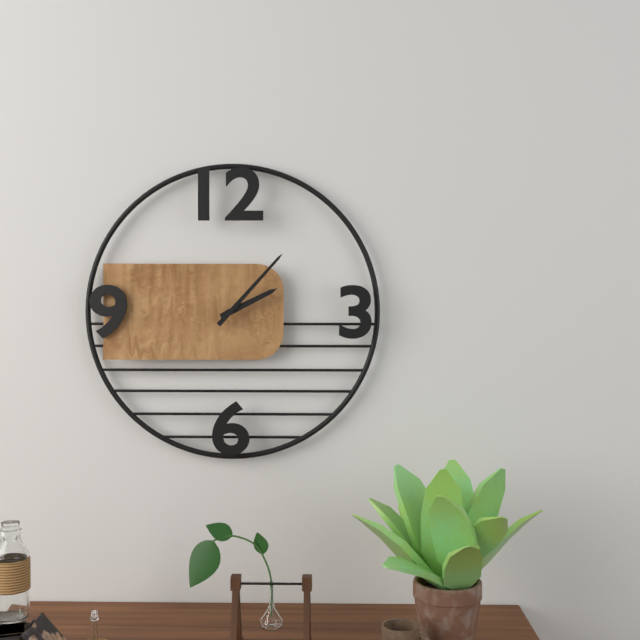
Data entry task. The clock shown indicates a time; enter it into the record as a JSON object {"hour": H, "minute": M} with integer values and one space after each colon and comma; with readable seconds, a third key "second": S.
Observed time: {"hour": 2, "minute": 7}
